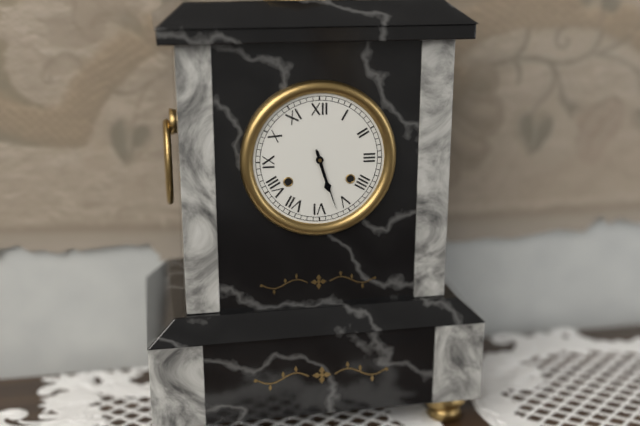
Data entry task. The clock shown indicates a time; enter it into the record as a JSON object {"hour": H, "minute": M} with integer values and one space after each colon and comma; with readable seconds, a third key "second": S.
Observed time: {"hour": 5, "minute": 27}
